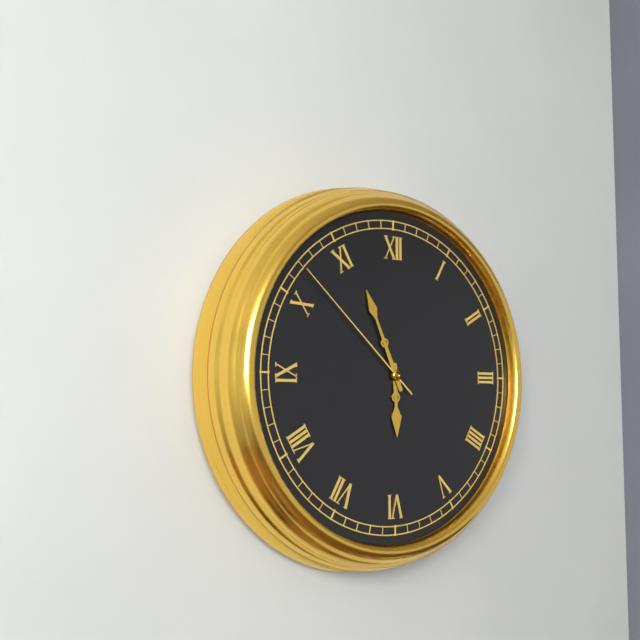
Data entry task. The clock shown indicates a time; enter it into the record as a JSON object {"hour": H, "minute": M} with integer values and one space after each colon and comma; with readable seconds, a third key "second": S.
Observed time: {"hour": 5, "minute": 56, "second": 52}
